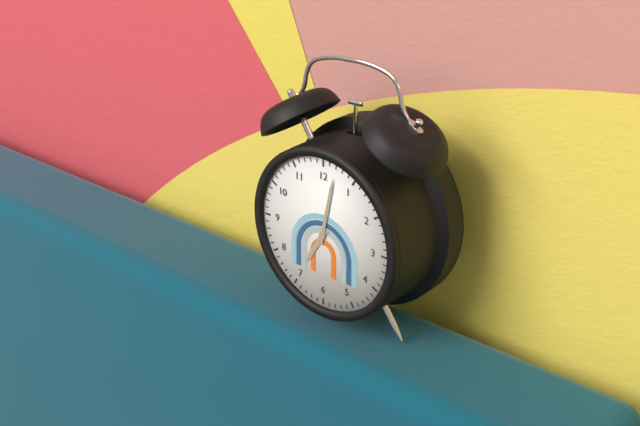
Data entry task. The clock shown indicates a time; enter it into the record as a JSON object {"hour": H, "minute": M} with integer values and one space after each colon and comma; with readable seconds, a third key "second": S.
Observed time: {"hour": 7, "minute": 2}
